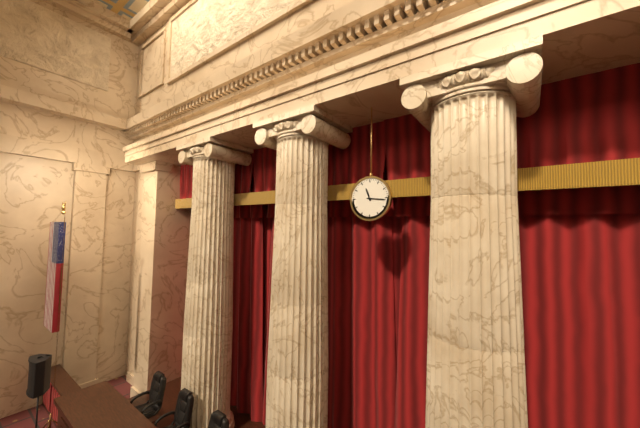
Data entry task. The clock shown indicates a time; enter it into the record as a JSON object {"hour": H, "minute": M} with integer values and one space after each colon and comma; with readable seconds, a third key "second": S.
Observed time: {"hour": 11, "minute": 16}
